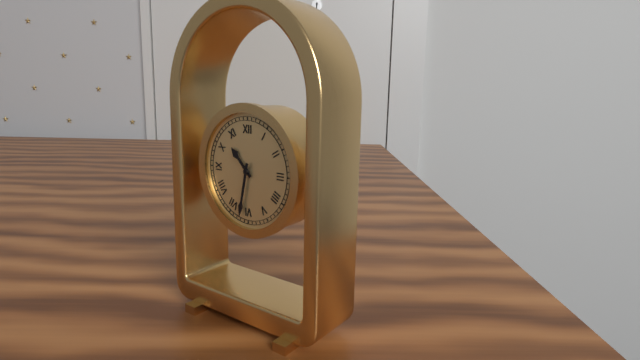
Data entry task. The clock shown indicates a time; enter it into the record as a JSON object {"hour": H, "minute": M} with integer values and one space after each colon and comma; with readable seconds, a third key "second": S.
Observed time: {"hour": 10, "minute": 32}
